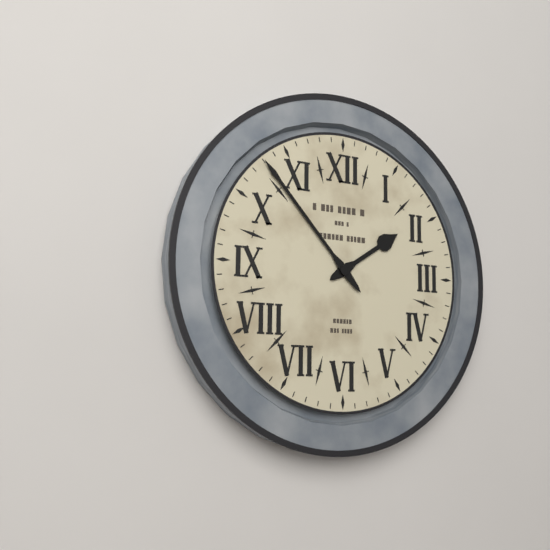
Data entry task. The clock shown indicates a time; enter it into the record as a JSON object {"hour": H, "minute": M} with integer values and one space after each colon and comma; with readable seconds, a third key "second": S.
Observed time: {"hour": 1, "minute": 53}
